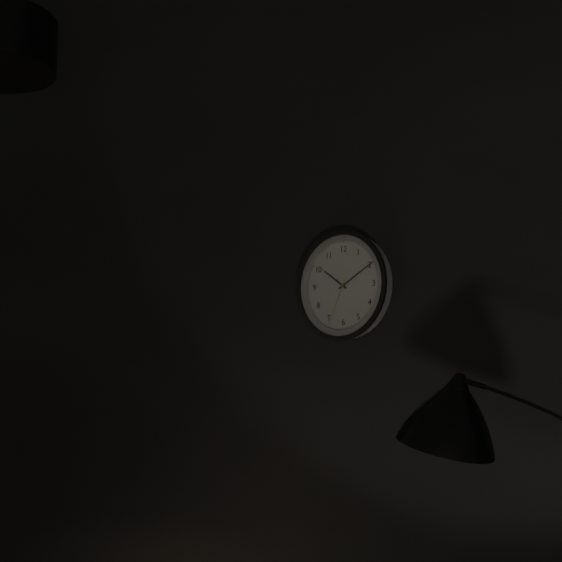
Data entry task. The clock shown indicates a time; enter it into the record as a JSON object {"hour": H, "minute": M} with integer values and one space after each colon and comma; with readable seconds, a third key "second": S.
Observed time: {"hour": 10, "minute": 10, "second": 34}
